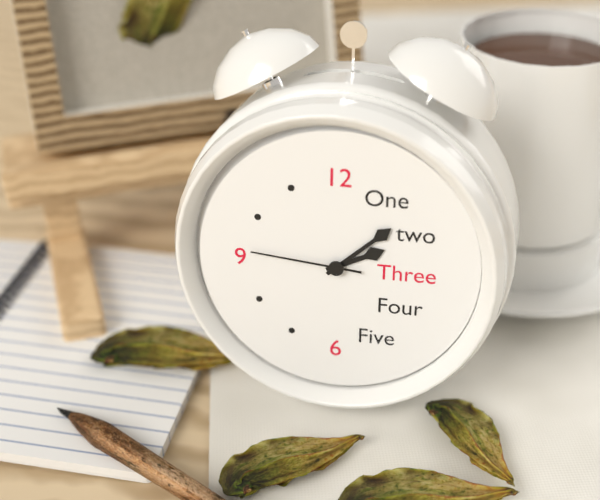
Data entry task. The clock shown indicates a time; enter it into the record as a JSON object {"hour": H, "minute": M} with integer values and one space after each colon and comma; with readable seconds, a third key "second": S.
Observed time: {"hour": 2, "minute": 8, "second": 46}
